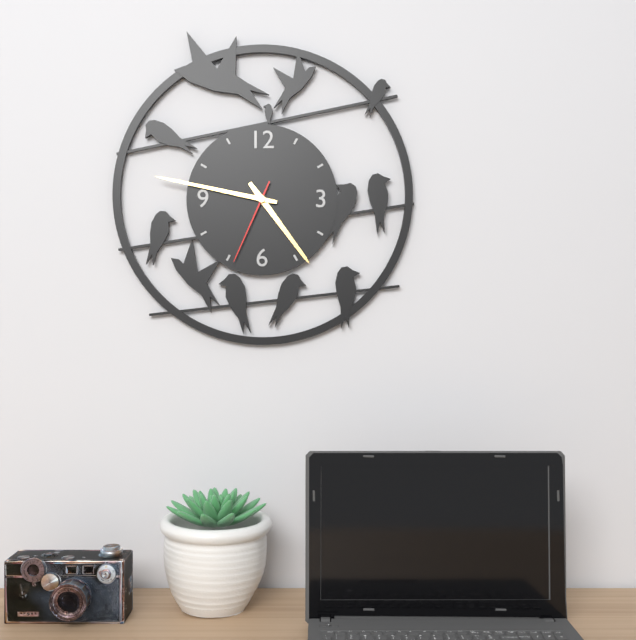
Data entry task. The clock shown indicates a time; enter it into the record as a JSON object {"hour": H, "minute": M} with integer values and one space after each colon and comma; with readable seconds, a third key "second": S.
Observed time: {"hour": 4, "minute": 47, "second": 34}
